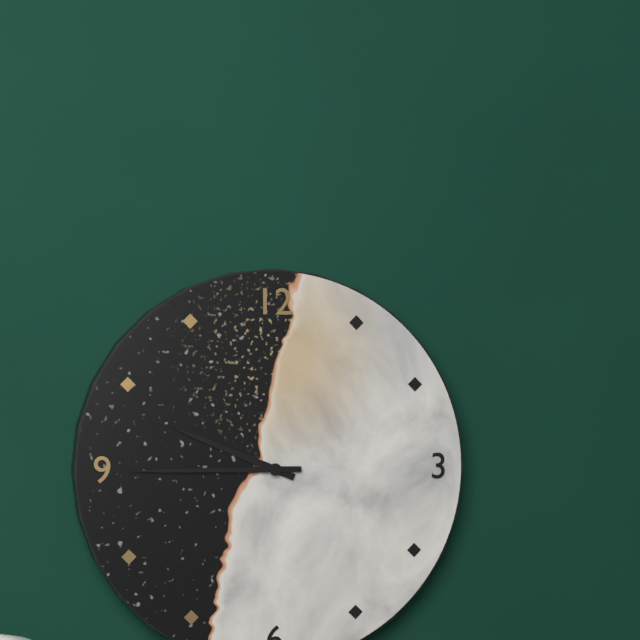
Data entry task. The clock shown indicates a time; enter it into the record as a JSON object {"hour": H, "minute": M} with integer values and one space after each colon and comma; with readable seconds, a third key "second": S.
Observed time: {"hour": 9, "minute": 45}
